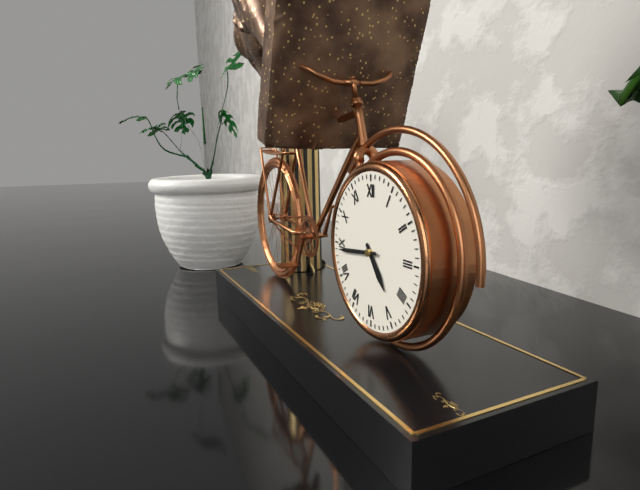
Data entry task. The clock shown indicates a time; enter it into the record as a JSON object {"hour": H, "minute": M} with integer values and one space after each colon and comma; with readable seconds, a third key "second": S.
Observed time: {"hour": 4, "minute": 44}
